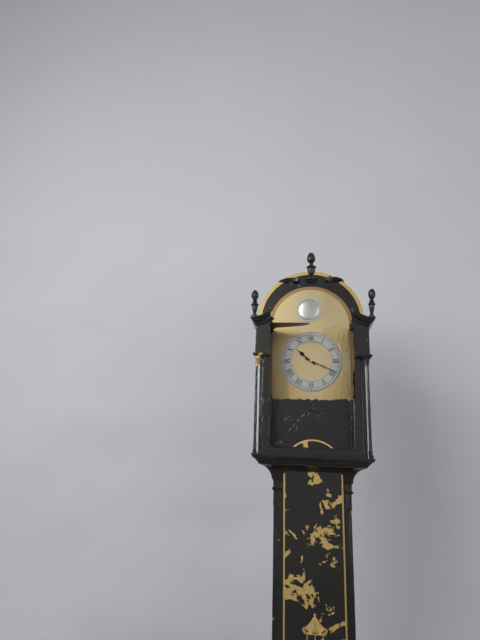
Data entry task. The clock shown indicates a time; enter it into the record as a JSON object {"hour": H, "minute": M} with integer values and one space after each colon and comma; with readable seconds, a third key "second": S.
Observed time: {"hour": 10, "minute": 19}
